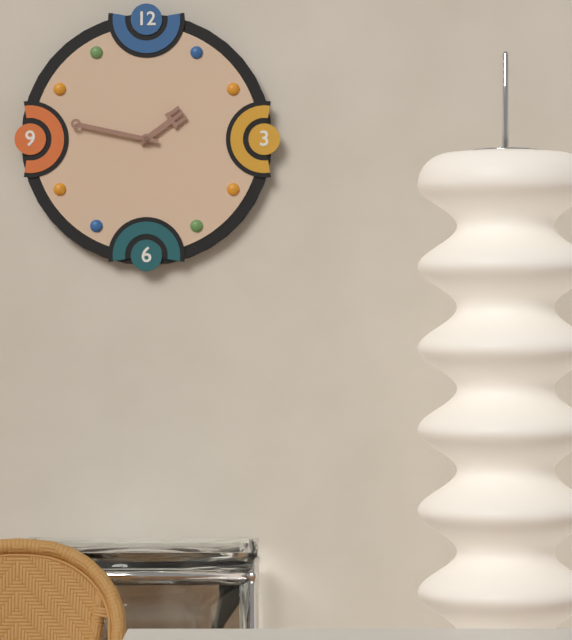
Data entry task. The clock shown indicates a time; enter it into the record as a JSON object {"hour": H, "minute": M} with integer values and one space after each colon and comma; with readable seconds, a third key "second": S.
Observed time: {"hour": 1, "minute": 47}
